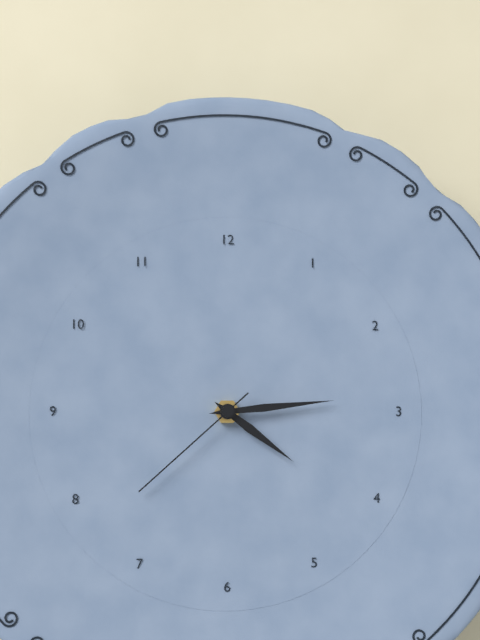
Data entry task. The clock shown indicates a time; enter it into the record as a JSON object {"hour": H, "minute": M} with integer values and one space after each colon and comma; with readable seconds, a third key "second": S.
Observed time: {"hour": 4, "minute": 14, "second": 38}
